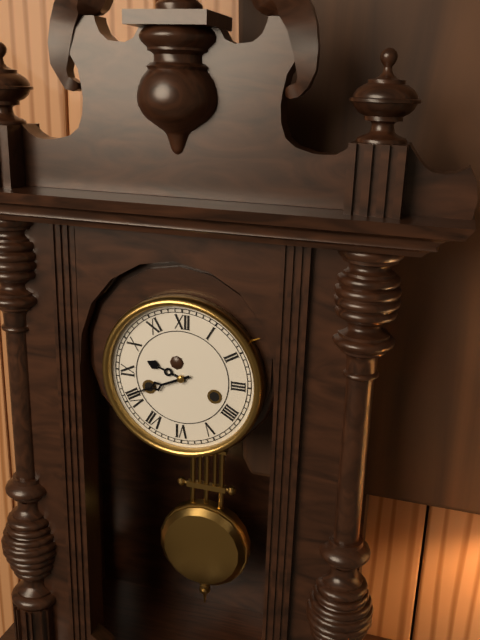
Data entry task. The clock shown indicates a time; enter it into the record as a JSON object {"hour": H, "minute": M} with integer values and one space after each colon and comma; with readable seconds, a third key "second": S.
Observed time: {"hour": 9, "minute": 41}
